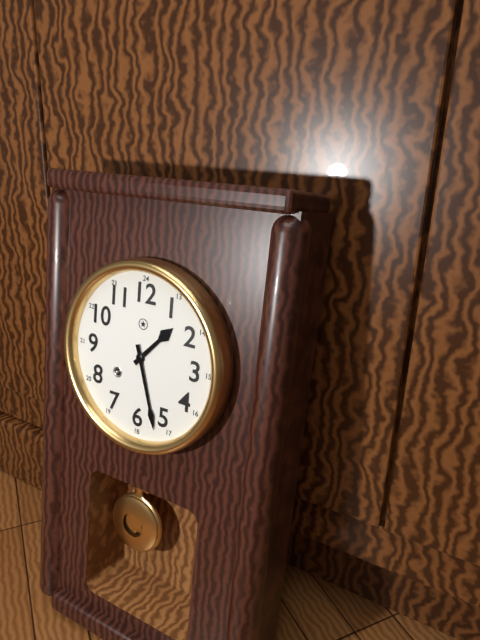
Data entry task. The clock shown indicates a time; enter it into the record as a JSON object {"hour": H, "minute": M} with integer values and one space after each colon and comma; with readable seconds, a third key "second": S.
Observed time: {"hour": 1, "minute": 27}
